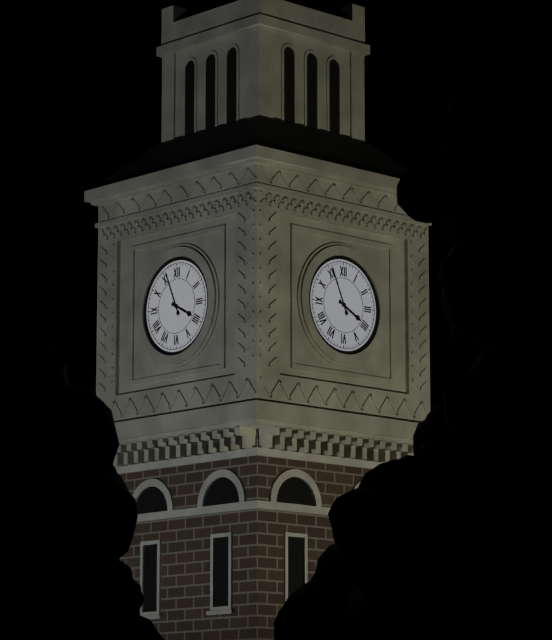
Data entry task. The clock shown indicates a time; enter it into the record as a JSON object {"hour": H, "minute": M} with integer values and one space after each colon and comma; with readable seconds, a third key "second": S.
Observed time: {"hour": 3, "minute": 56}
